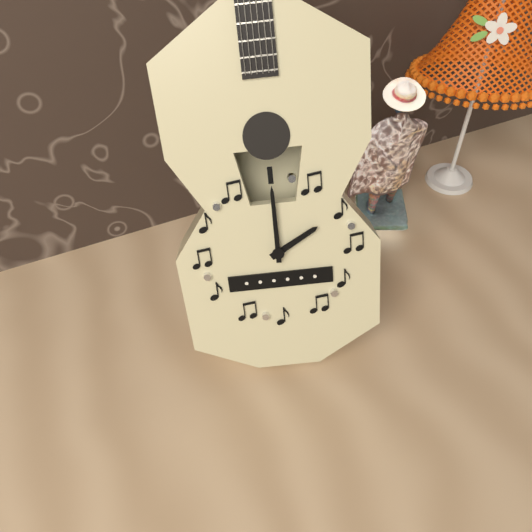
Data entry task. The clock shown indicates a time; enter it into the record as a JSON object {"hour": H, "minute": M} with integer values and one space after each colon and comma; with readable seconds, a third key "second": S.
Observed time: {"hour": 2, "minute": 0}
